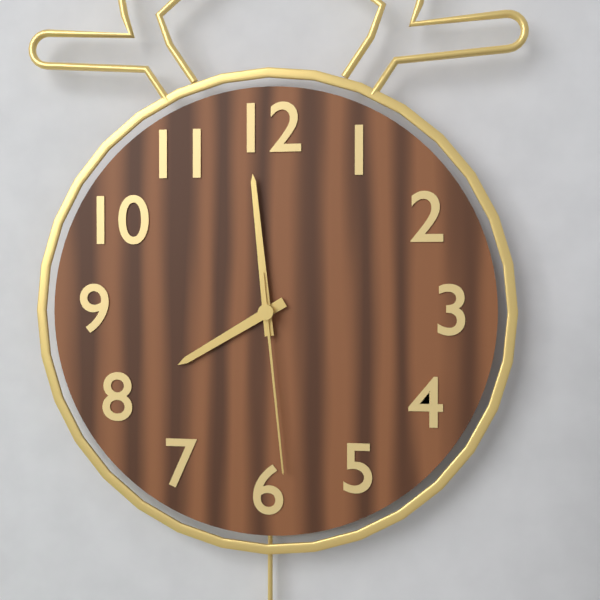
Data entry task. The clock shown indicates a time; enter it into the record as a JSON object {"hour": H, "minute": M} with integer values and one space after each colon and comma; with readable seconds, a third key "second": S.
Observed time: {"hour": 7, "minute": 59, "second": 29}
